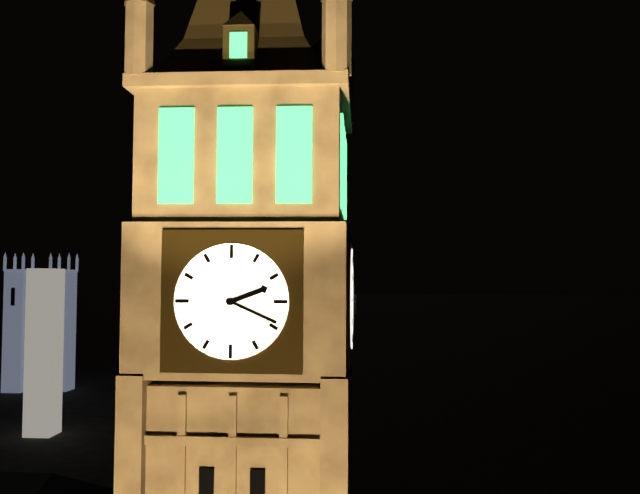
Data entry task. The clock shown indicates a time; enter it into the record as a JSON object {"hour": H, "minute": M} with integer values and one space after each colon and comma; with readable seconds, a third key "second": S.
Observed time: {"hour": 2, "minute": 19}
